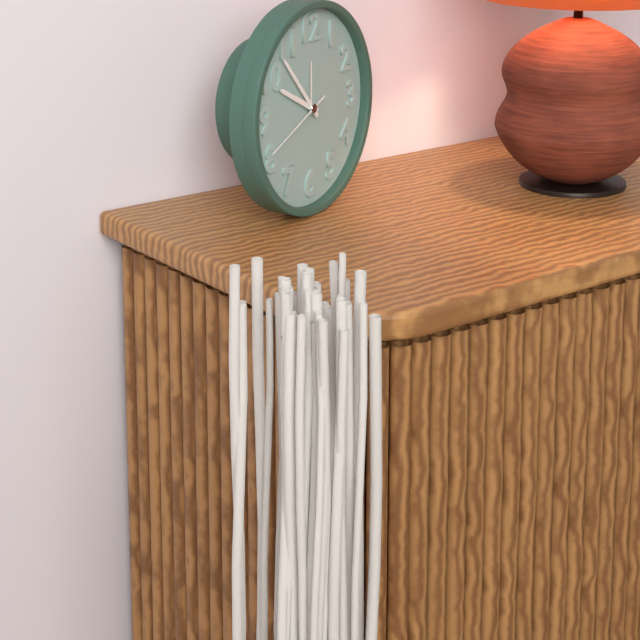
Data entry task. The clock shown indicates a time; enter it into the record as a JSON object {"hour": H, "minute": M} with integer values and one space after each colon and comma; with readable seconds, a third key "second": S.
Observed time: {"hour": 9, "minute": 53, "second": 41}
